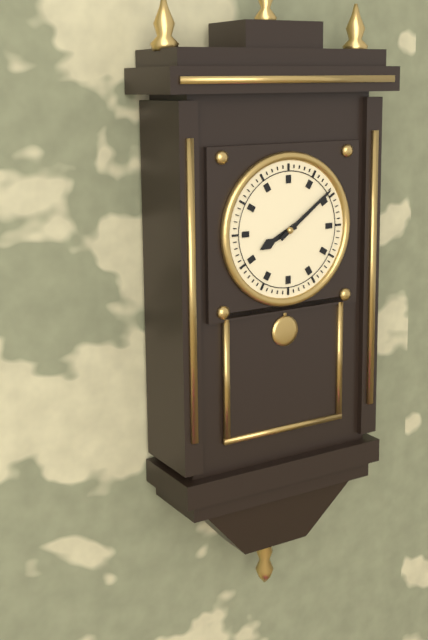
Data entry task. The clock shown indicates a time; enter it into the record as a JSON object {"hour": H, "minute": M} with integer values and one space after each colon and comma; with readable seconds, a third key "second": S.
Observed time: {"hour": 8, "minute": 9}
